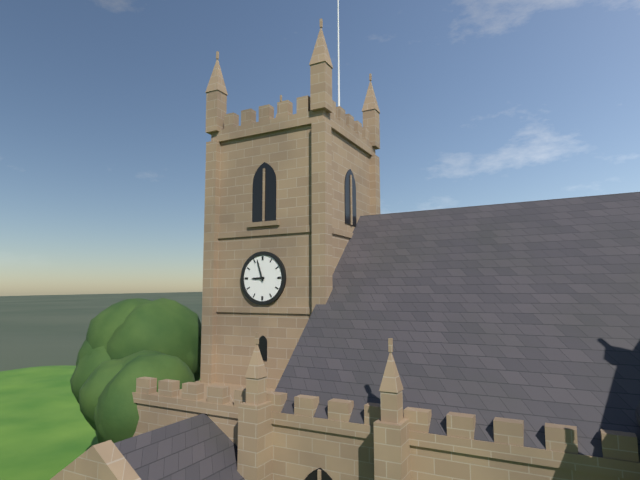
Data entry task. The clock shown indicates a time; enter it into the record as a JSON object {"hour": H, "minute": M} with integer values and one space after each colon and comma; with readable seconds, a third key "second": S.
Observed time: {"hour": 8, "minute": 57}
